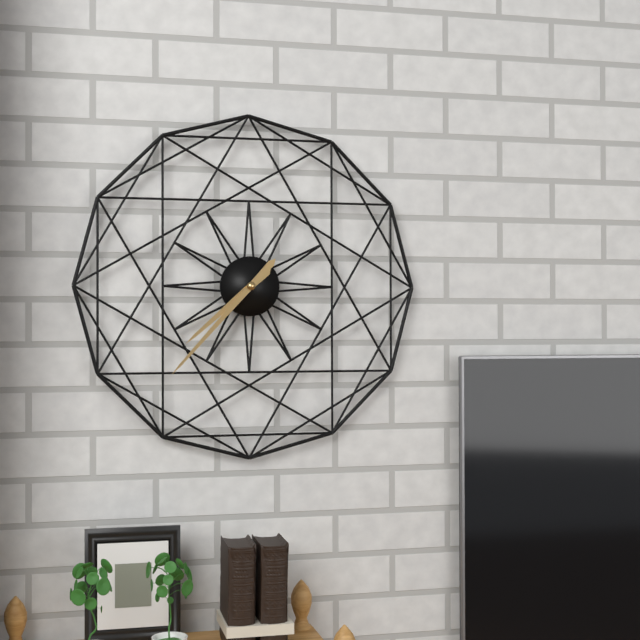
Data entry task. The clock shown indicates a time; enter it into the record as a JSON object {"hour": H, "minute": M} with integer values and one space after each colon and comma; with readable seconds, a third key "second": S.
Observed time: {"hour": 7, "minute": 37}
